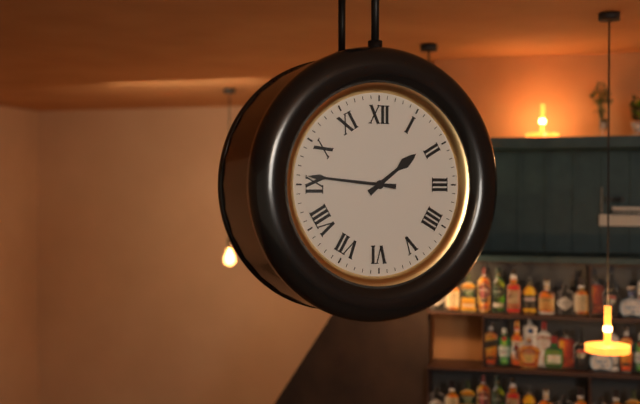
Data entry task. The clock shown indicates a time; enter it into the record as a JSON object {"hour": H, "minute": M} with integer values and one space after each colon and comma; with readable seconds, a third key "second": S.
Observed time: {"hour": 1, "minute": 46}
